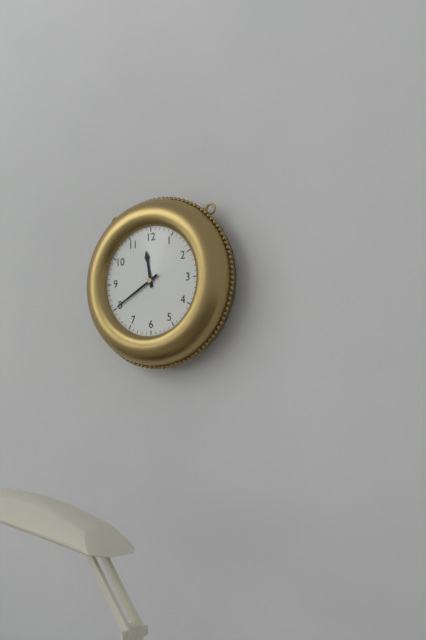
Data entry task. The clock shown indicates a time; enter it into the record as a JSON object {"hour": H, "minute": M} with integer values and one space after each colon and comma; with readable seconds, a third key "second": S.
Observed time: {"hour": 11, "minute": 40}
